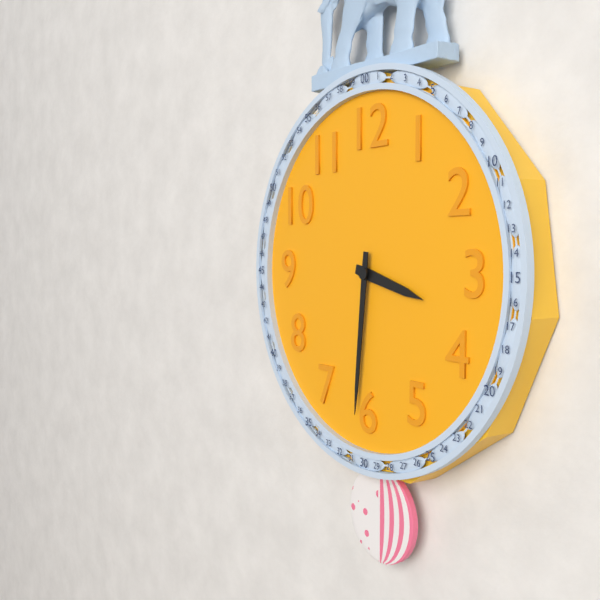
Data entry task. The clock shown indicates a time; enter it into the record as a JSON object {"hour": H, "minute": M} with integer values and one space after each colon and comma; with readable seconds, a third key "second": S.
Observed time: {"hour": 3, "minute": 31}
